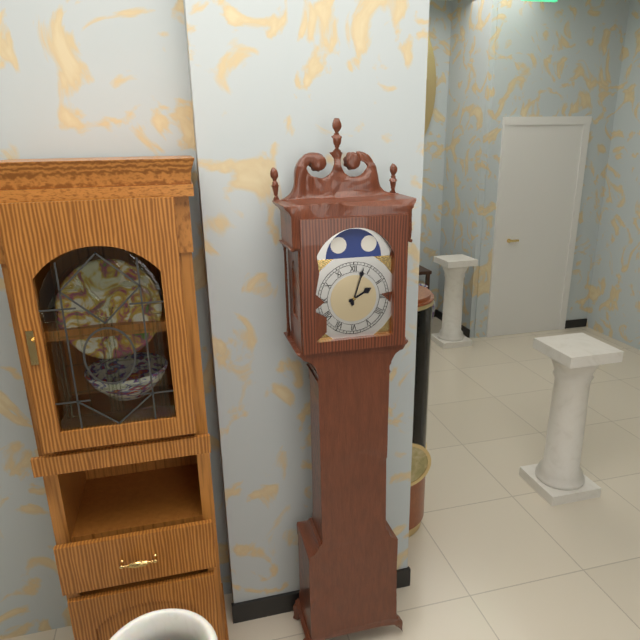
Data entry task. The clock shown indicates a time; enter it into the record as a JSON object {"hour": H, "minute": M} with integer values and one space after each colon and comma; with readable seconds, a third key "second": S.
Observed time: {"hour": 2, "minute": 3}
